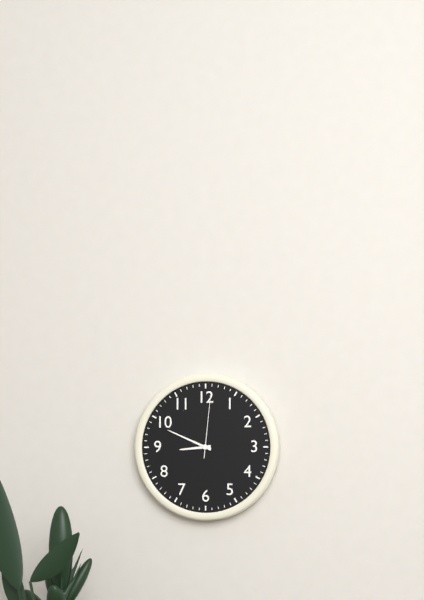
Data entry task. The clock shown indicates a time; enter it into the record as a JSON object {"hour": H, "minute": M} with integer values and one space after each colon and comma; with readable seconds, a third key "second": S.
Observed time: {"hour": 8, "minute": 49, "second": 1}
